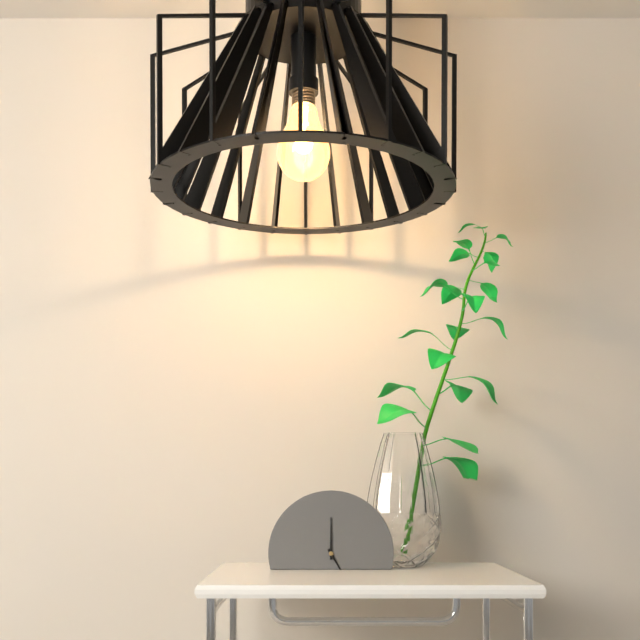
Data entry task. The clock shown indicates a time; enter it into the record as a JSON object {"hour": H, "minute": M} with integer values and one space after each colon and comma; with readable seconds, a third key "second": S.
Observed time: {"hour": 5, "minute": 0}
